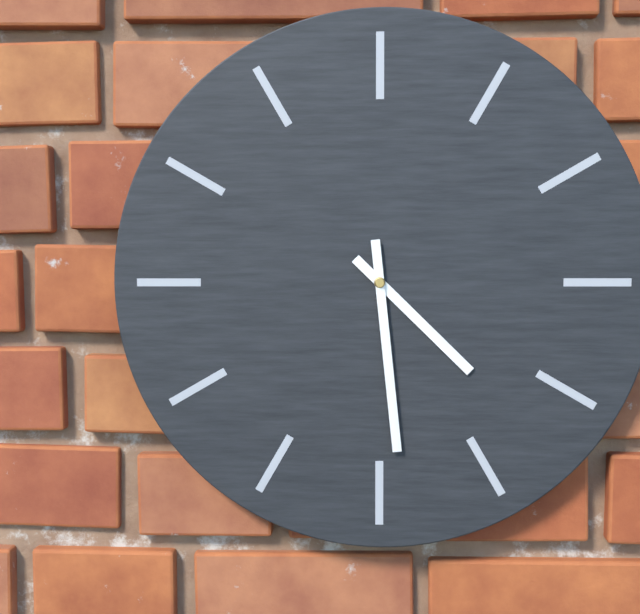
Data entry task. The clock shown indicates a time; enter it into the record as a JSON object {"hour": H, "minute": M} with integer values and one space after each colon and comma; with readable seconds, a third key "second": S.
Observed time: {"hour": 4, "minute": 29}
